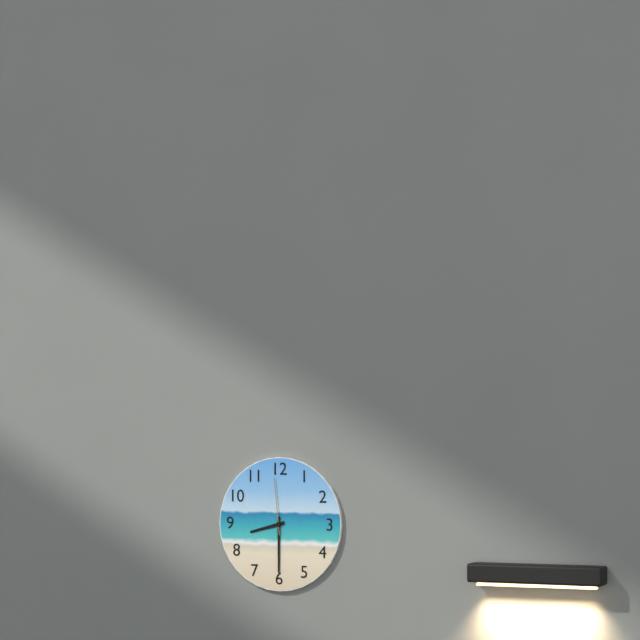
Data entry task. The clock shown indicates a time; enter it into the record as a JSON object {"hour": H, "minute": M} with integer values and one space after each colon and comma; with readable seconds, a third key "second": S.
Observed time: {"hour": 8, "minute": 30, "second": 59}
